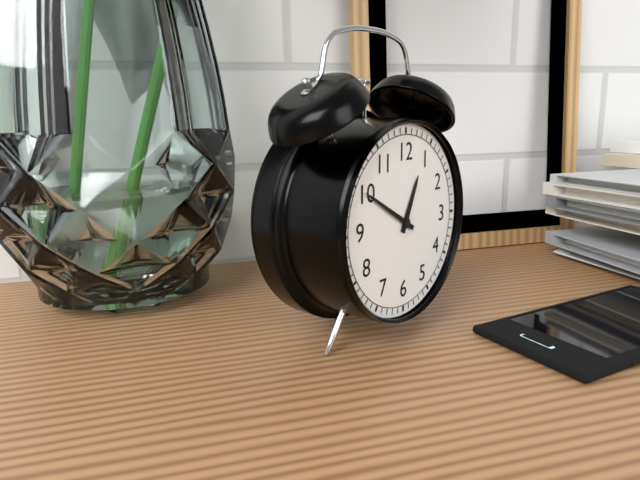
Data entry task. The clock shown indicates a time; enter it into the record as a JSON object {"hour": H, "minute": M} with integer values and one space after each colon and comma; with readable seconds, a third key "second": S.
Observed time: {"hour": 12, "minute": 50}
